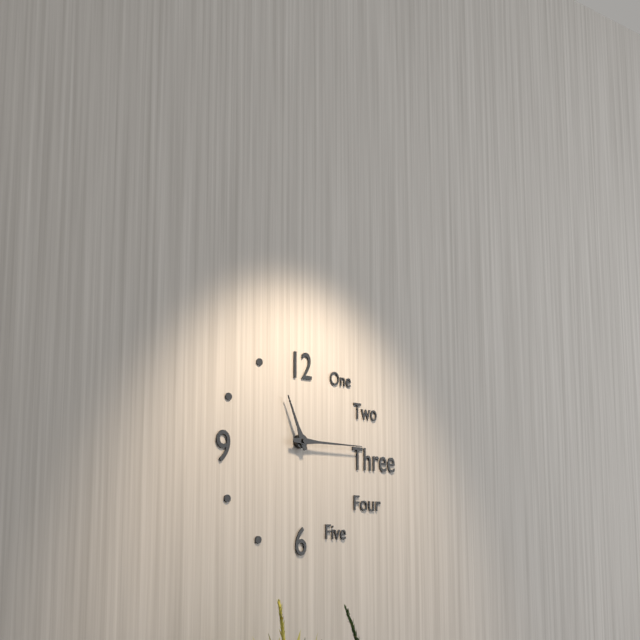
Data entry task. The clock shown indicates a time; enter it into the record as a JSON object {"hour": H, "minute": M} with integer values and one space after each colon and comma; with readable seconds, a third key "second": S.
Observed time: {"hour": 11, "minute": 15}
